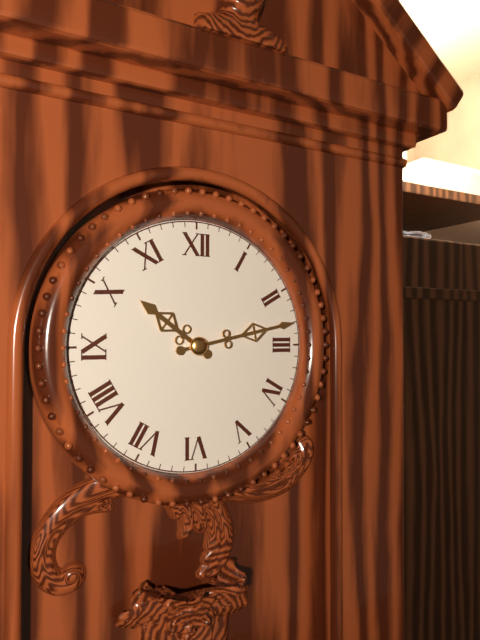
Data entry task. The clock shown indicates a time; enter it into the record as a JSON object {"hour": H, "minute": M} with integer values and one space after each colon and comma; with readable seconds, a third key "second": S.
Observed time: {"hour": 10, "minute": 13}
